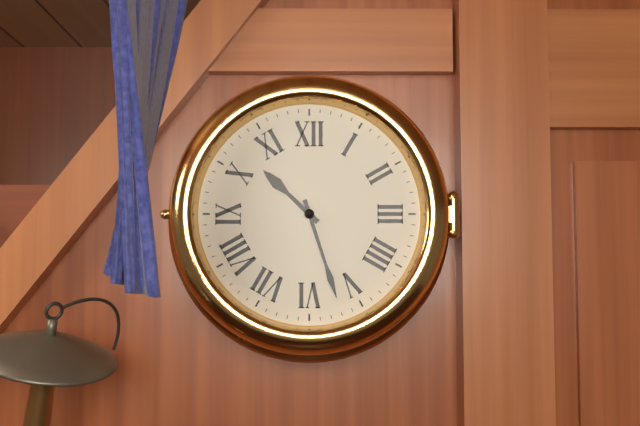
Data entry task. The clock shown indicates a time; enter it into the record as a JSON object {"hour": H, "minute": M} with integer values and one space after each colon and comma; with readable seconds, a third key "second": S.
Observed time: {"hour": 10, "minute": 27}
